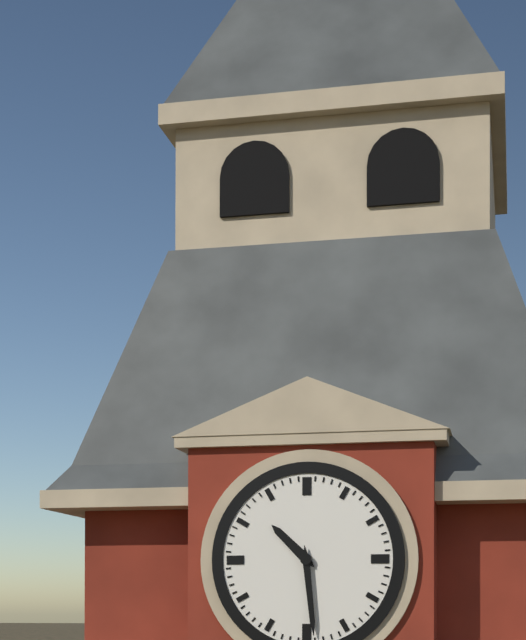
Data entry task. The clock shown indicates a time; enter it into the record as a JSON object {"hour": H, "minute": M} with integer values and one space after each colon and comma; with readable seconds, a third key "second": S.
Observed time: {"hour": 10, "minute": 29}
